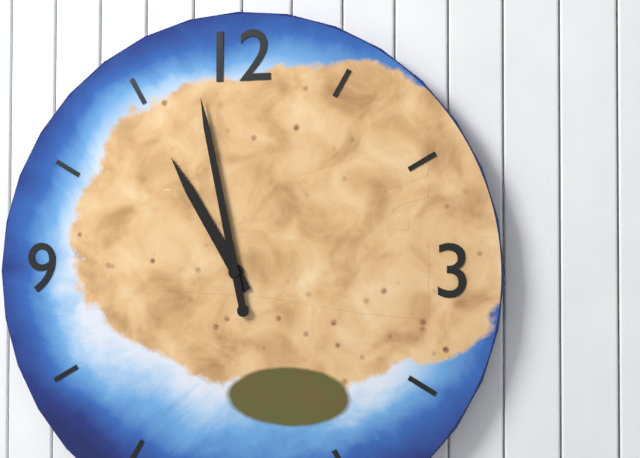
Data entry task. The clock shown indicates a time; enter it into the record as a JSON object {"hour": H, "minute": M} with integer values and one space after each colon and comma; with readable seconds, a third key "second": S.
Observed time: {"hour": 10, "minute": 58}
